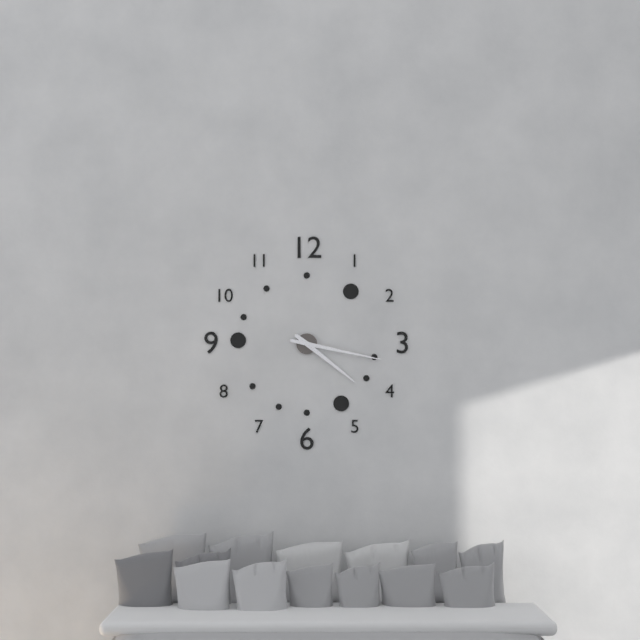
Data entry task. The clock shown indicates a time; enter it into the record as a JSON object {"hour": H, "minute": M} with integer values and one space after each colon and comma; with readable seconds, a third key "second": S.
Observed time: {"hour": 4, "minute": 17}
